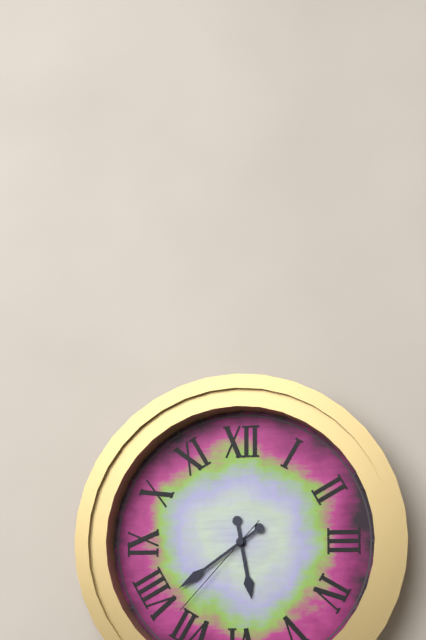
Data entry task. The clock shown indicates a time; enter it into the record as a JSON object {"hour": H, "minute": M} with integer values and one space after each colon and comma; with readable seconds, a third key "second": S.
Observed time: {"hour": 5, "minute": 39, "second": 37}
